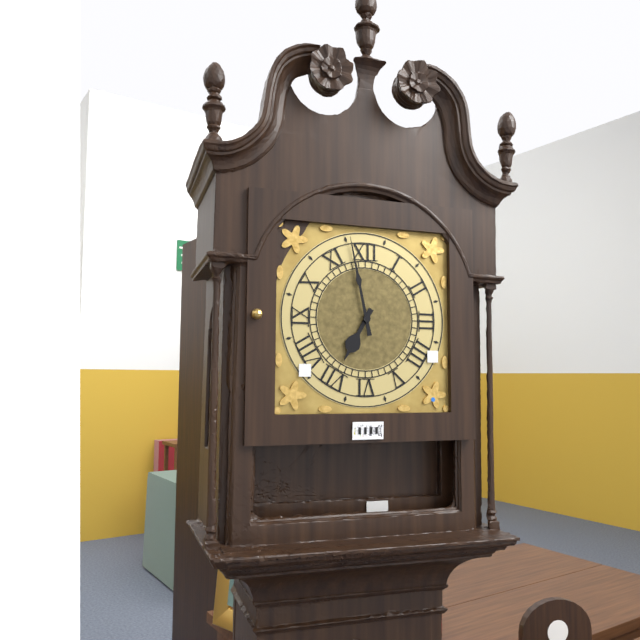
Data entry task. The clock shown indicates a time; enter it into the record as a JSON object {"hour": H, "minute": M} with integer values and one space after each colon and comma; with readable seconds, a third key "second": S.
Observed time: {"hour": 6, "minute": 58}
